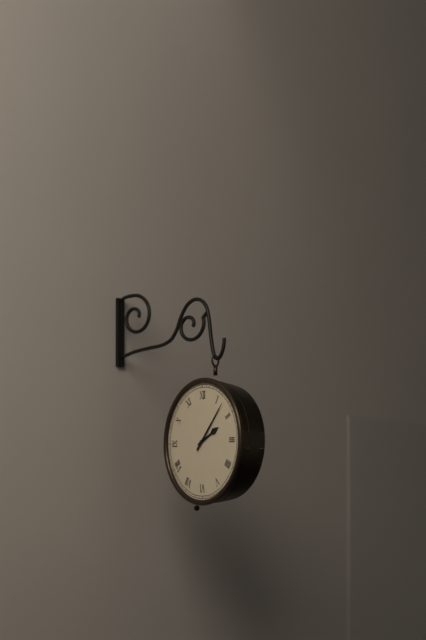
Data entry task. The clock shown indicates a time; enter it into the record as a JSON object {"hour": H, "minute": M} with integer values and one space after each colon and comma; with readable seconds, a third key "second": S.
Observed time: {"hour": 2, "minute": 7}
